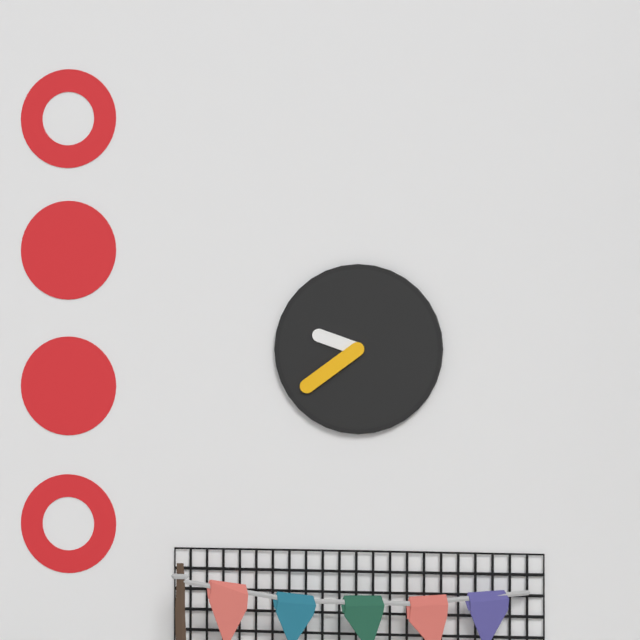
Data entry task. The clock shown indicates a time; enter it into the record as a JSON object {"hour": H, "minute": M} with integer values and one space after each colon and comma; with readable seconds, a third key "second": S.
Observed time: {"hour": 9, "minute": 39}
